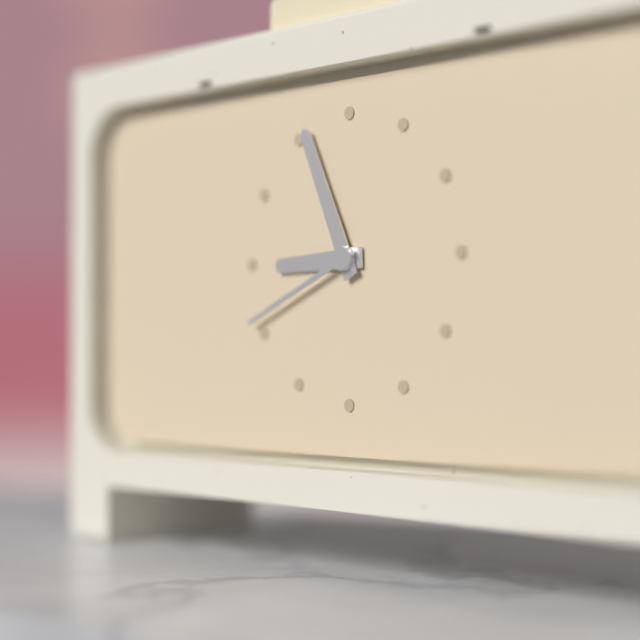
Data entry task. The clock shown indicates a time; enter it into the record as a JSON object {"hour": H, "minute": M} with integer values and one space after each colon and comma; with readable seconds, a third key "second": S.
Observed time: {"hour": 8, "minute": 56, "second": 41}
